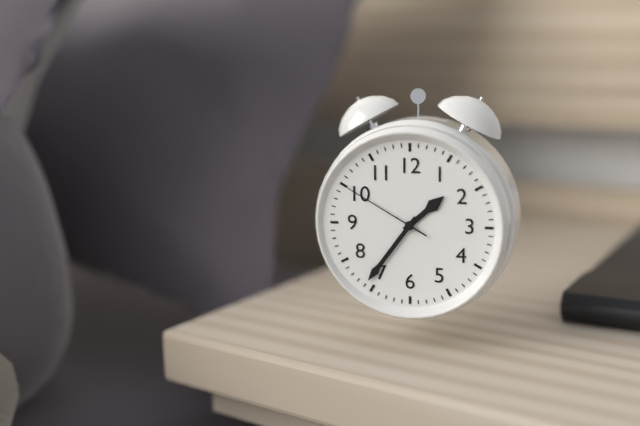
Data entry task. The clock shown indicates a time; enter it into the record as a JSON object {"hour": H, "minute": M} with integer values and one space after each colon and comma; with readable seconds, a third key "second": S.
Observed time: {"hour": 1, "minute": 36, "second": 50}
